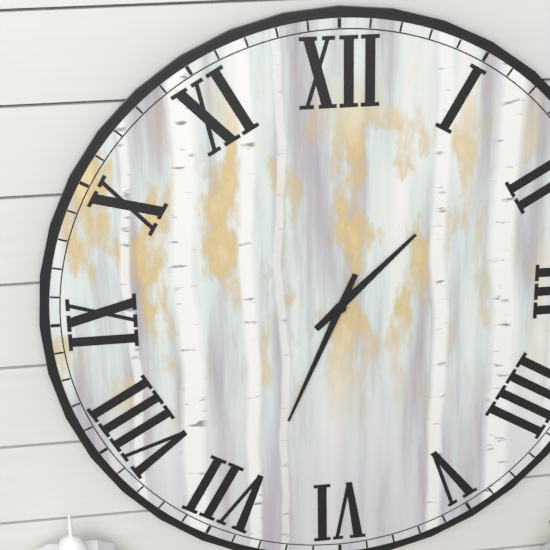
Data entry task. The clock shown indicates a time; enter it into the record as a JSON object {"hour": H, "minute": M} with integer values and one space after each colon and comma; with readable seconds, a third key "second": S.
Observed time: {"hour": 1, "minute": 34}
